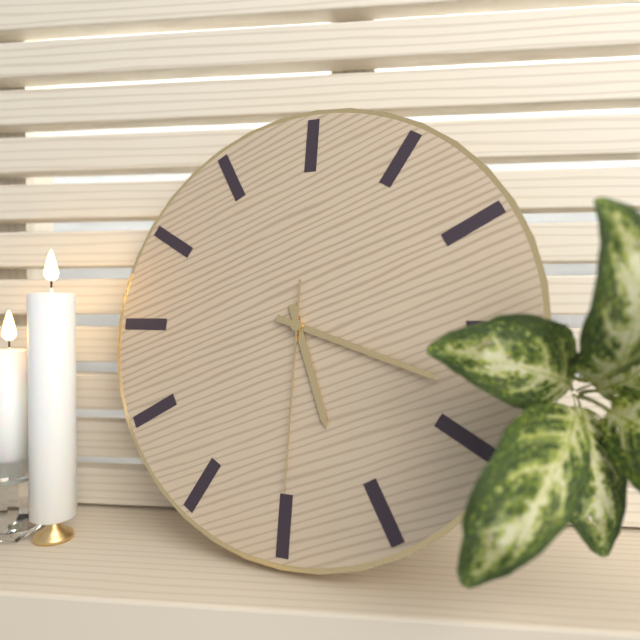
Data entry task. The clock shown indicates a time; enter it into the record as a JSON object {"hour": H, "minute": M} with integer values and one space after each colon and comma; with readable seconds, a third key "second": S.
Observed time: {"hour": 5, "minute": 18, "second": 30}
